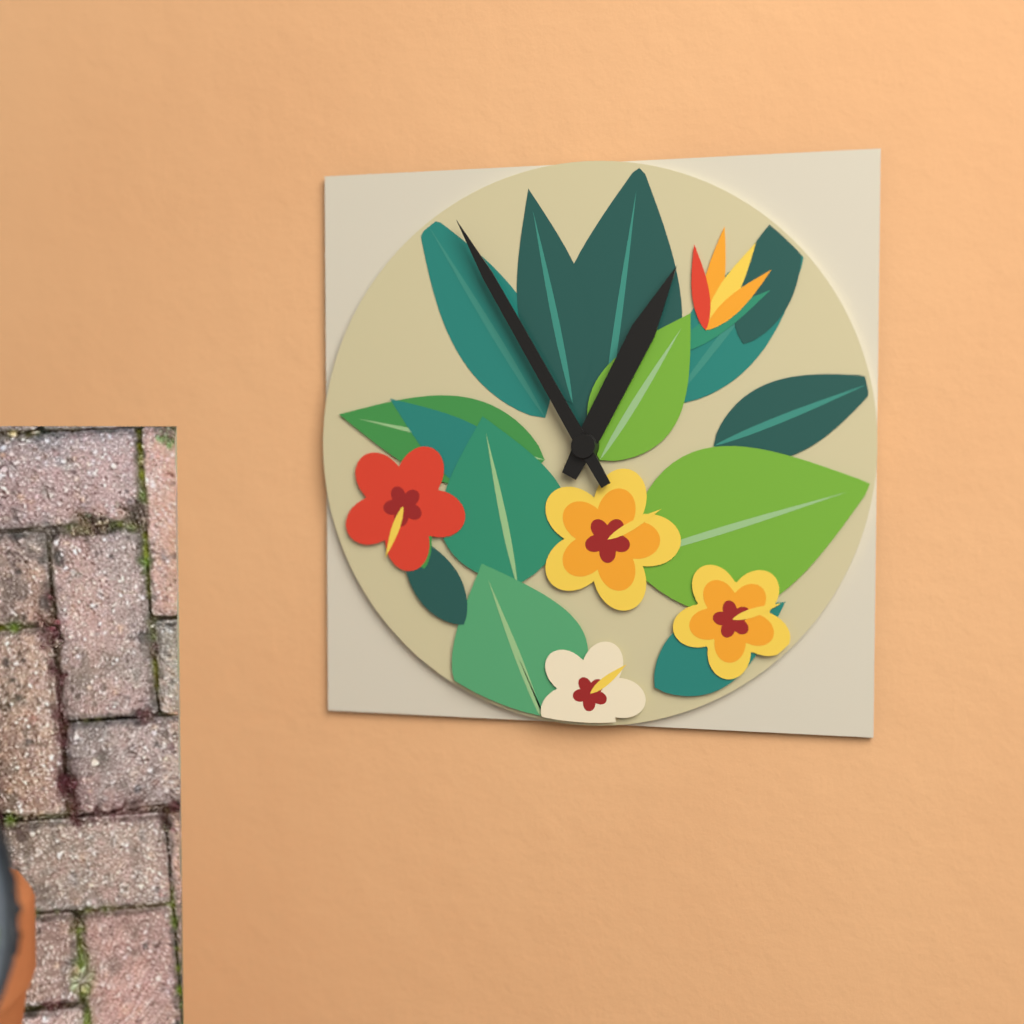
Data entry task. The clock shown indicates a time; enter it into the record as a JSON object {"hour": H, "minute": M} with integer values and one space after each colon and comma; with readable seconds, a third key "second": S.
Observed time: {"hour": 12, "minute": 55}
